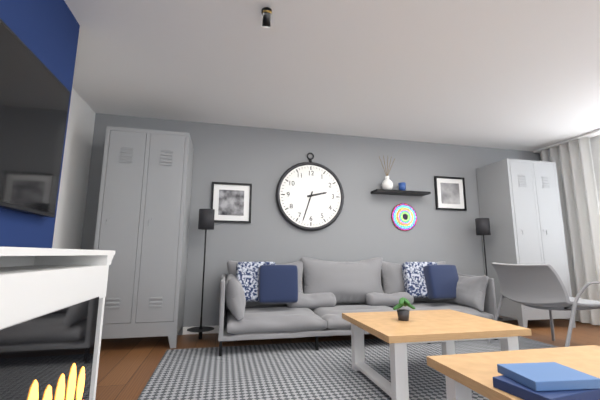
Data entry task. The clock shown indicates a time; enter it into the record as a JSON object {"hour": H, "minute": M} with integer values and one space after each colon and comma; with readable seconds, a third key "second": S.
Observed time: {"hour": 2, "minute": 33}
